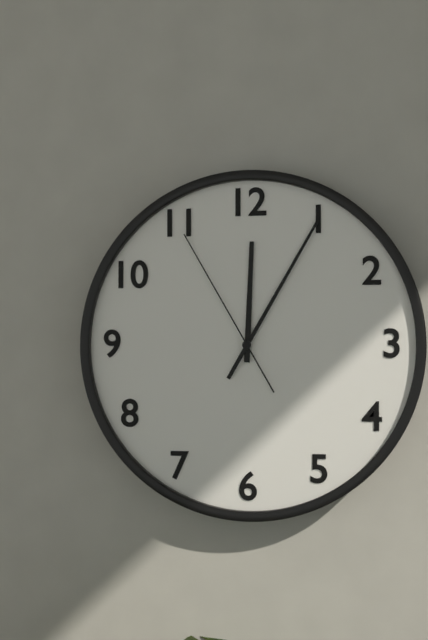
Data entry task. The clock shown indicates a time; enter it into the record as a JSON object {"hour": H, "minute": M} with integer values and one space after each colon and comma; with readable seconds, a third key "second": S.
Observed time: {"hour": 12, "minute": 5, "second": 55}
